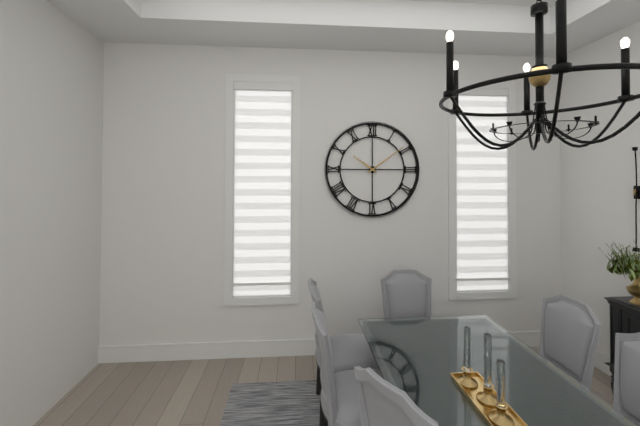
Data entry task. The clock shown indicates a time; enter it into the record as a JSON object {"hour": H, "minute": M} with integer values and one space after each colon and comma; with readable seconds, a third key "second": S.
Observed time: {"hour": 10, "minute": 9}
